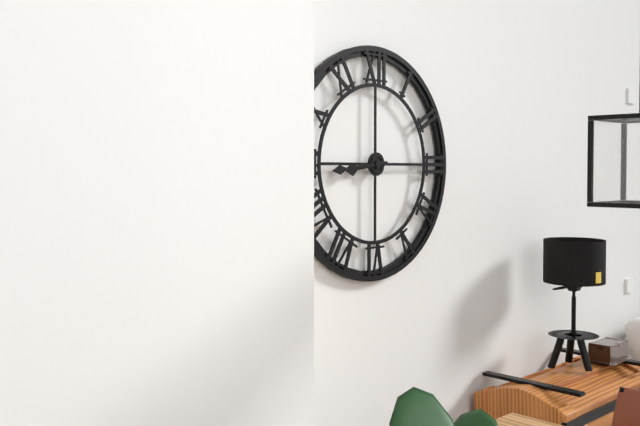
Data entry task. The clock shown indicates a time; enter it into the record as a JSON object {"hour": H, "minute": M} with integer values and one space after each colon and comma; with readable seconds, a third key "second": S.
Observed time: {"hour": 8, "minute": 44}
